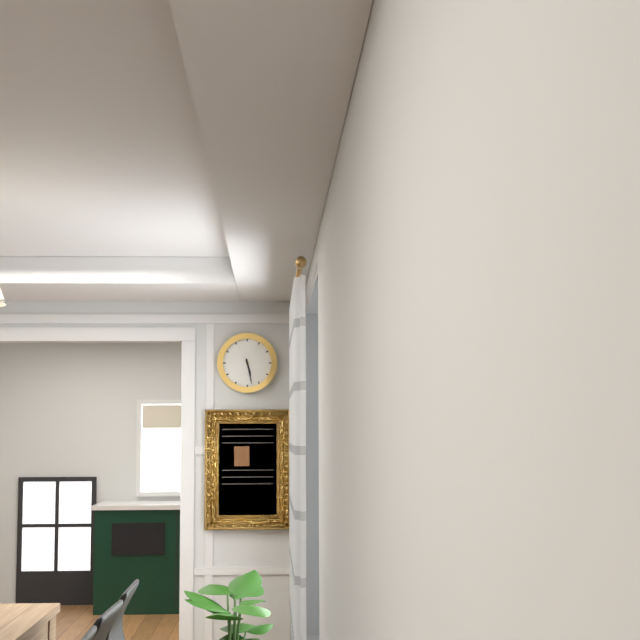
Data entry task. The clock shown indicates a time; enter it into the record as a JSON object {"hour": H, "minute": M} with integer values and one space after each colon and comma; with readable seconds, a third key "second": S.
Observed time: {"hour": 5, "minute": 28}
